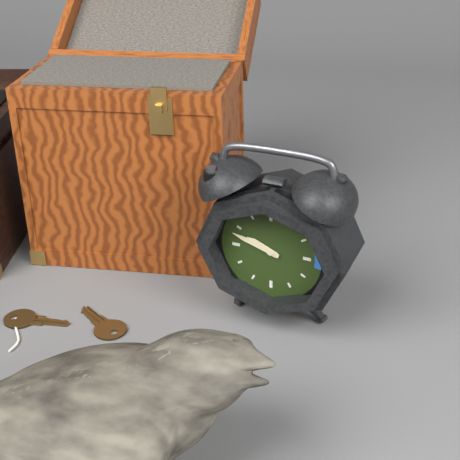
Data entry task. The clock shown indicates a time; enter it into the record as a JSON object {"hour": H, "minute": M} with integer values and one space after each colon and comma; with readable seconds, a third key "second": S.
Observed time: {"hour": 9, "minute": 48}
